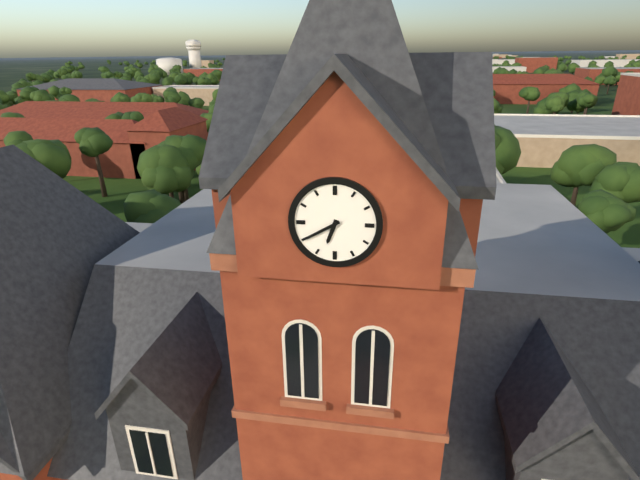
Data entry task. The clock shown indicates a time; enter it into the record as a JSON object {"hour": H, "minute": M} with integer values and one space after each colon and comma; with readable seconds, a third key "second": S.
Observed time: {"hour": 6, "minute": 40}
